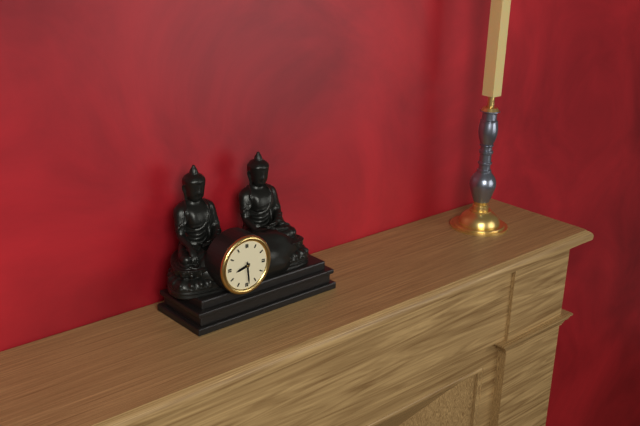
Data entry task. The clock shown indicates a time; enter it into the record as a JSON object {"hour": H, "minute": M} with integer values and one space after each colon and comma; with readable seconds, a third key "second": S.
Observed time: {"hour": 8, "minute": 29}
